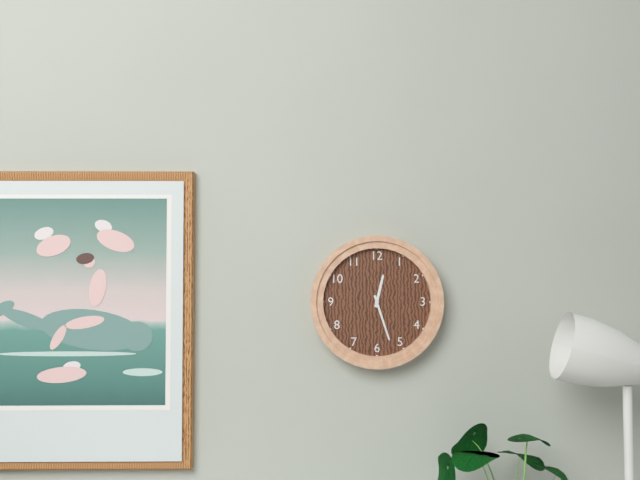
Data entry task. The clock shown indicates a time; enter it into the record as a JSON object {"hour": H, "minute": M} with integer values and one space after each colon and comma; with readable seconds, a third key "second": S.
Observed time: {"hour": 12, "minute": 27}
